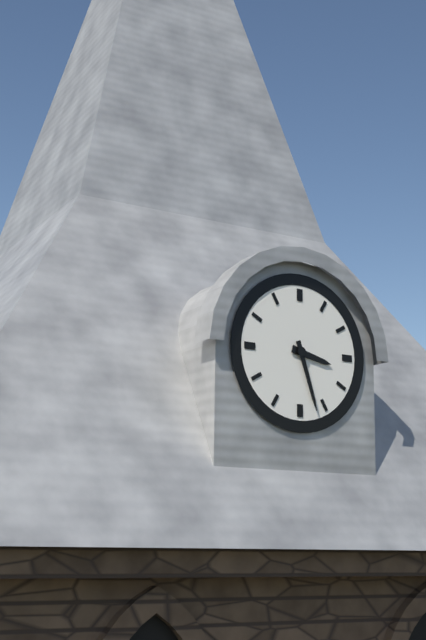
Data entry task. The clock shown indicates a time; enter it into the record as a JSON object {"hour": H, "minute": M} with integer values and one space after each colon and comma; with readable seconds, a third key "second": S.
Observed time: {"hour": 3, "minute": 27}
